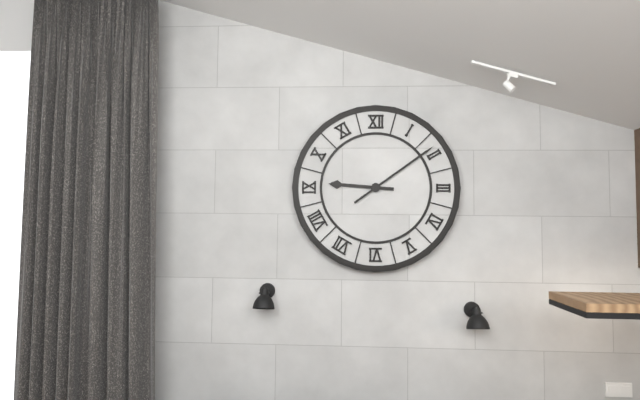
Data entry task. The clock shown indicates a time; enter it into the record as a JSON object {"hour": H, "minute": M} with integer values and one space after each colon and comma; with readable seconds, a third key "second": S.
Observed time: {"hour": 9, "minute": 9}
